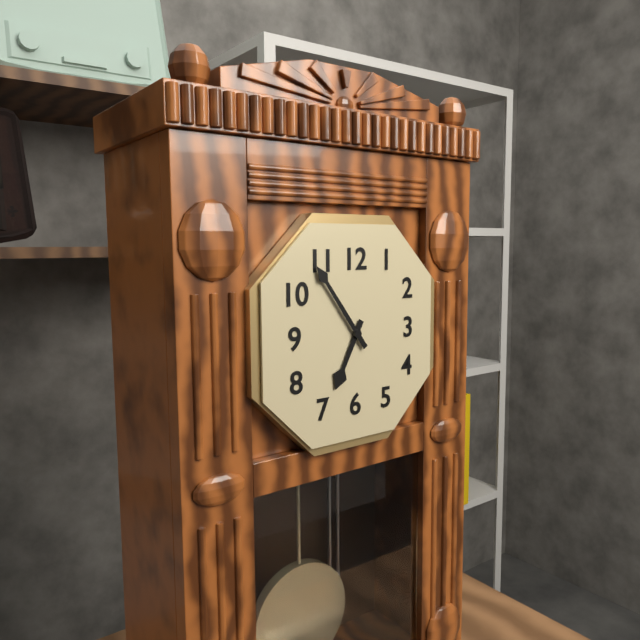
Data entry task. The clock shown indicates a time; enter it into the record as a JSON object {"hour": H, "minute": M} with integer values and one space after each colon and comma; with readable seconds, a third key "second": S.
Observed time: {"hour": 6, "minute": 54}
